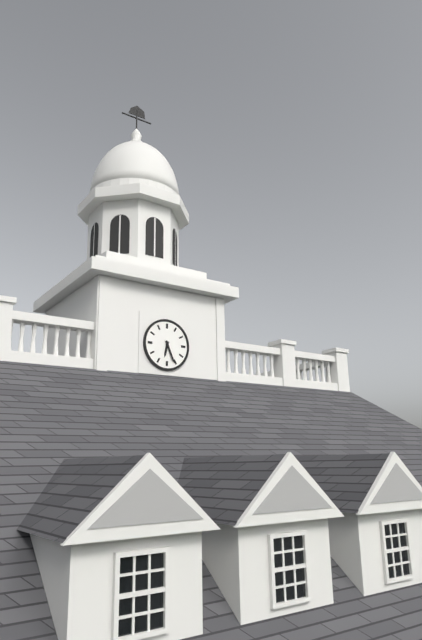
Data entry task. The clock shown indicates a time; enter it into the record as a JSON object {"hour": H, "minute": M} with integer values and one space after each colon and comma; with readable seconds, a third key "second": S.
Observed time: {"hour": 6, "minute": 26}
